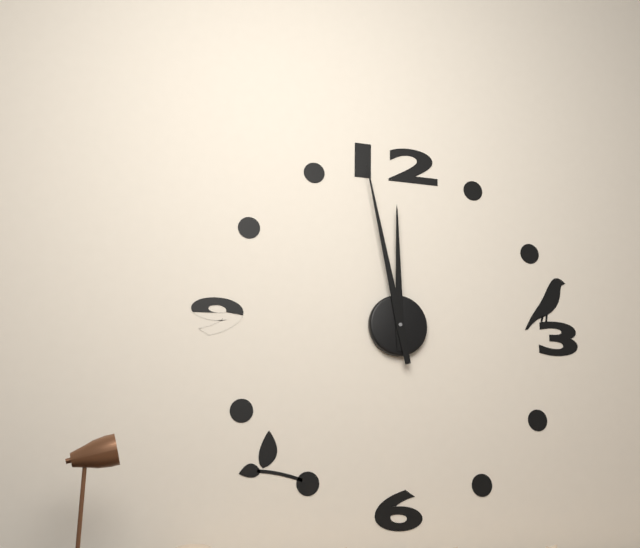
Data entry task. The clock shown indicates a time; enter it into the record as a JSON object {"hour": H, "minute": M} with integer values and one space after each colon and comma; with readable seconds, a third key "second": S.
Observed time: {"hour": 11, "minute": 58}
